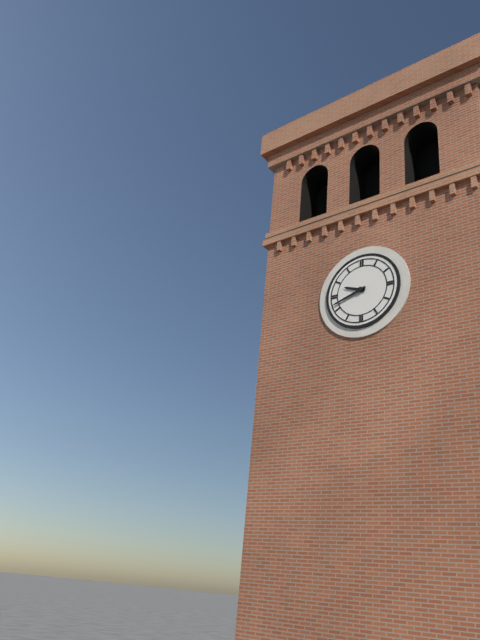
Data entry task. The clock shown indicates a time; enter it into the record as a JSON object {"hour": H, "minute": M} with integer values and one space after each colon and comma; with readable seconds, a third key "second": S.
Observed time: {"hour": 9, "minute": 42}
